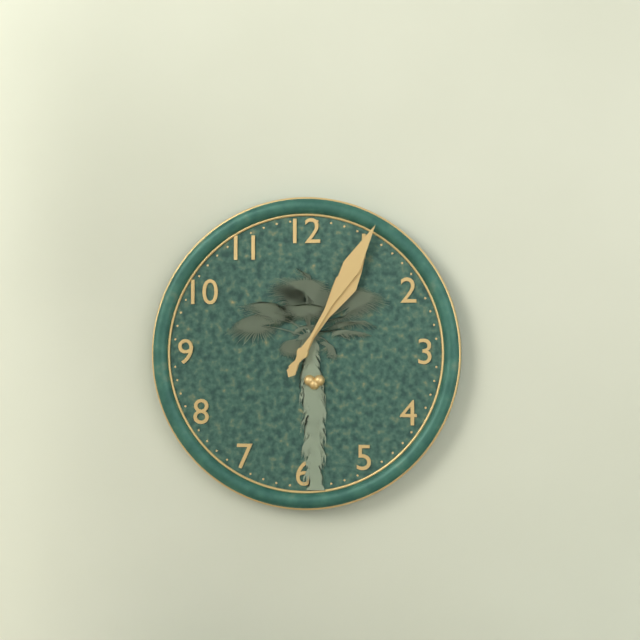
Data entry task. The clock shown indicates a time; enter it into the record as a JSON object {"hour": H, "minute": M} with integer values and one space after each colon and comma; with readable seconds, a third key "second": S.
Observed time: {"hour": 1, "minute": 5}
